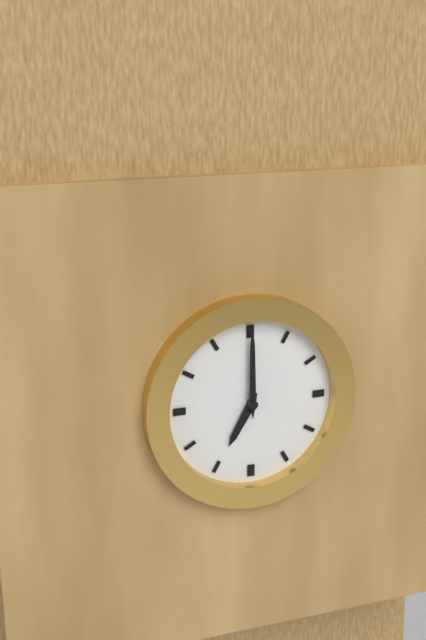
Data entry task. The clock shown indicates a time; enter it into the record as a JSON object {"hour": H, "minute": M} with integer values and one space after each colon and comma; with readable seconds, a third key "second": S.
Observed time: {"hour": 7, "minute": 0}
